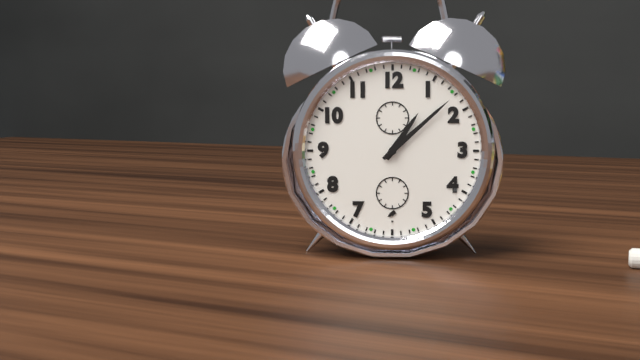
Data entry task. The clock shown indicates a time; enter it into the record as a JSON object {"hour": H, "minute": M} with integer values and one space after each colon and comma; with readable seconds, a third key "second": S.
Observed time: {"hour": 1, "minute": 8}
